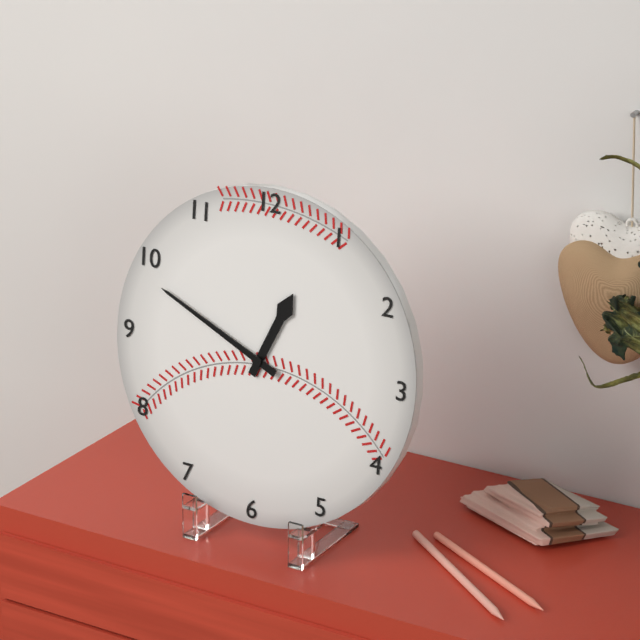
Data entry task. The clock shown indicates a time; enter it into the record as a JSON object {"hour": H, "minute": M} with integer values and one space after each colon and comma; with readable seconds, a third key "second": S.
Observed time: {"hour": 12, "minute": 49}
